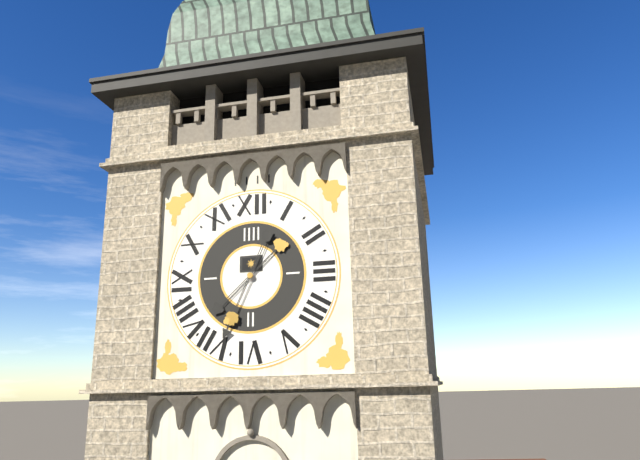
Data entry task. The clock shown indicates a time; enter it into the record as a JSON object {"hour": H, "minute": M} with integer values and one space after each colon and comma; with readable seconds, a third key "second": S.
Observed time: {"hour": 1, "minute": 34}
